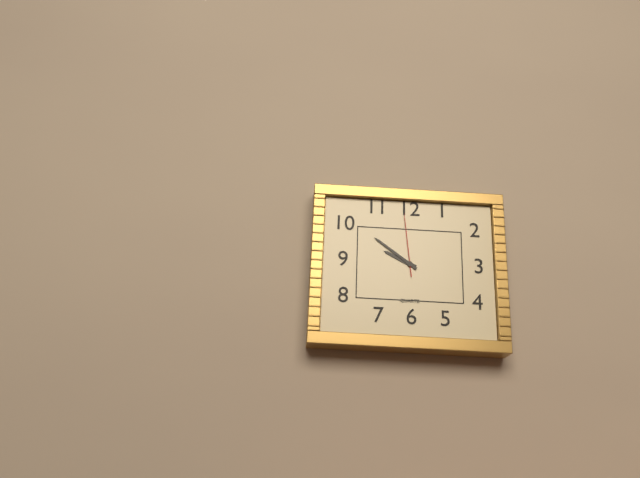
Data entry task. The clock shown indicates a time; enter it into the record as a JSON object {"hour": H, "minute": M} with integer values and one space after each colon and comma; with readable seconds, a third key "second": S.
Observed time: {"hour": 9, "minute": 51, "second": 59}
